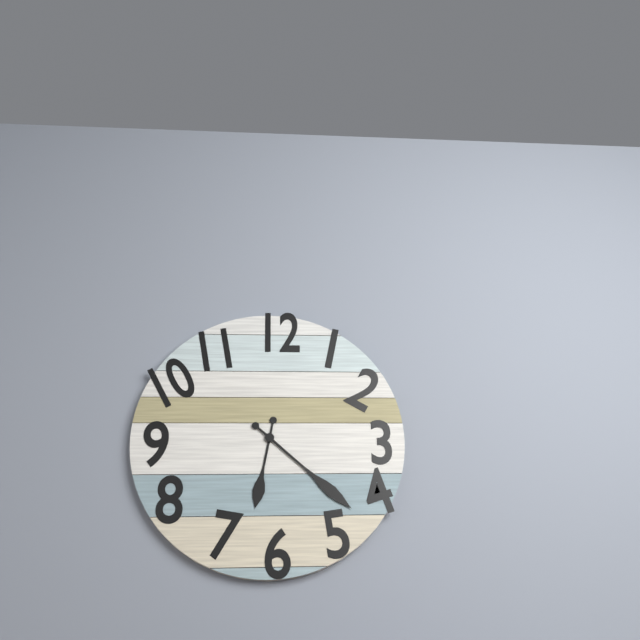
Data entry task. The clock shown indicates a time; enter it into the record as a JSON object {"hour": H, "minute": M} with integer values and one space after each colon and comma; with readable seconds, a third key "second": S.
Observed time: {"hour": 6, "minute": 22}
